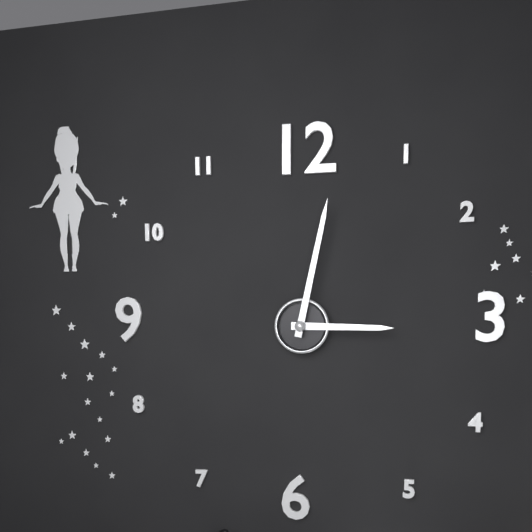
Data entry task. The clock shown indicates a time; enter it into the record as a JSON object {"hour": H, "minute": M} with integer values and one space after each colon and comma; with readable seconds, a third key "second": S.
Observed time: {"hour": 3, "minute": 2}
